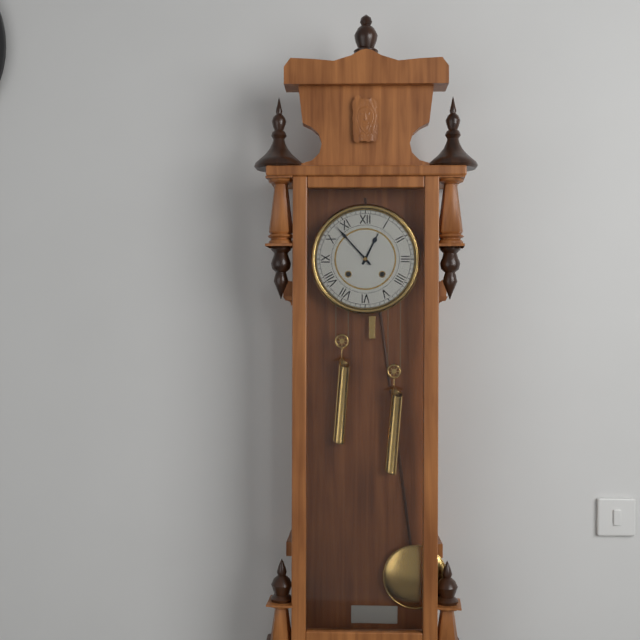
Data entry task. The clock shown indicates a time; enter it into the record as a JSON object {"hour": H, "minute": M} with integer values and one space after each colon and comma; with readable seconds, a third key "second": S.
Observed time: {"hour": 12, "minute": 53}
